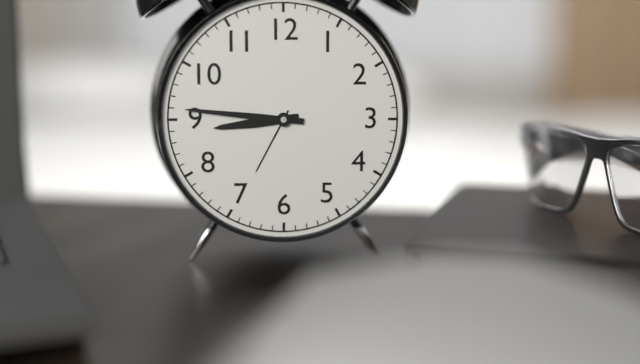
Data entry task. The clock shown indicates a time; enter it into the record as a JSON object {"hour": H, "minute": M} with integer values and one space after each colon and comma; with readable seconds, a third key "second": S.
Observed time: {"hour": 8, "minute": 46}
